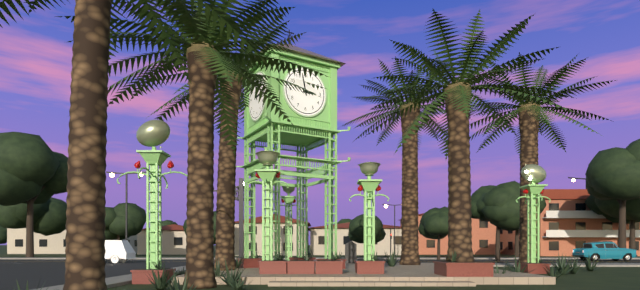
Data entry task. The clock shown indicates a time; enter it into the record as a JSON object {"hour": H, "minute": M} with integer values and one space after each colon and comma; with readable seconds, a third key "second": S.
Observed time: {"hour": 2, "minute": 58}
